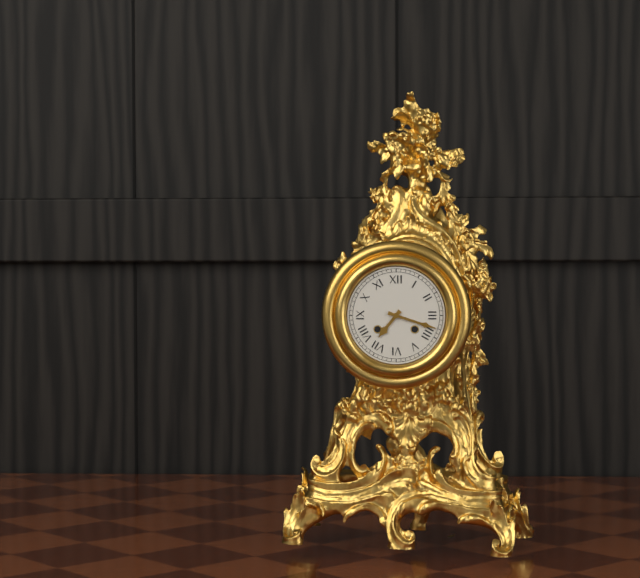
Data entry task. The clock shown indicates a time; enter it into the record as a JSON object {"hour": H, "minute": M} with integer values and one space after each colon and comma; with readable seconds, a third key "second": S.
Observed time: {"hour": 7, "minute": 18}
